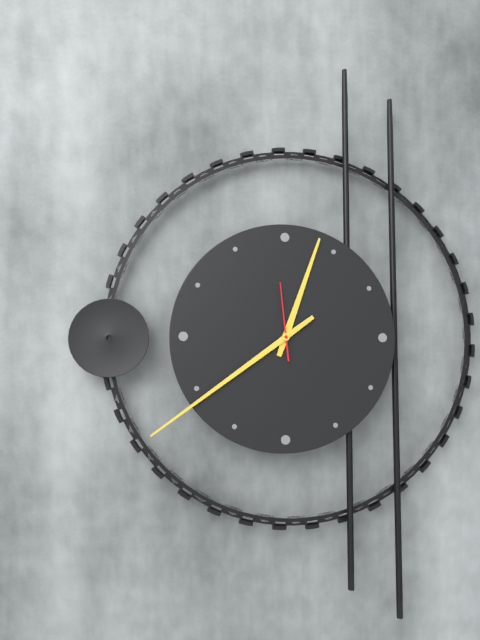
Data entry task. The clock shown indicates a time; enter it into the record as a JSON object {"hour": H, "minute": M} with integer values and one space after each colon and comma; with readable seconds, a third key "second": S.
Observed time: {"hour": 12, "minute": 39, "second": 59}
